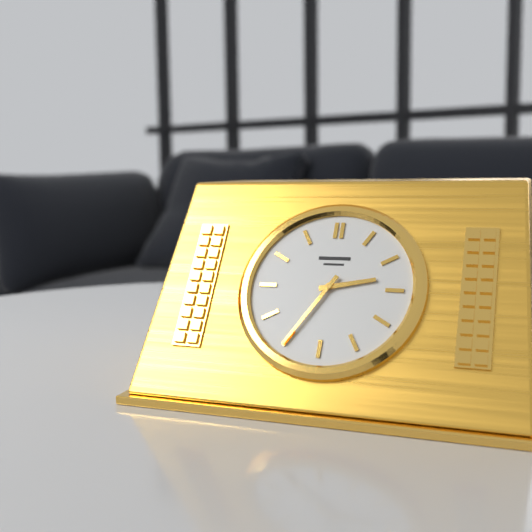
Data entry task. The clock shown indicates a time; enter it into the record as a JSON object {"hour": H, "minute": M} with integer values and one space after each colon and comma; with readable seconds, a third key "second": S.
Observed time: {"hour": 2, "minute": 35}
